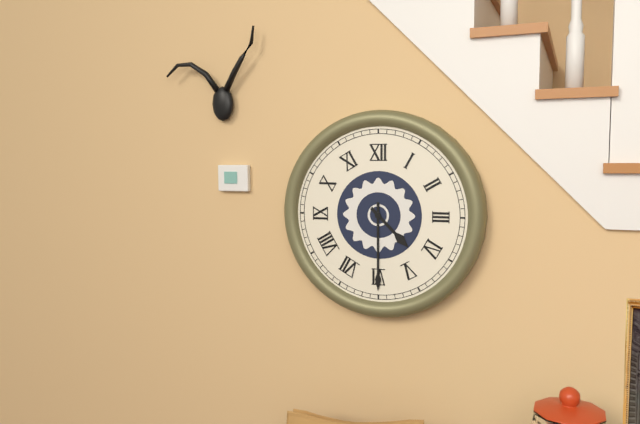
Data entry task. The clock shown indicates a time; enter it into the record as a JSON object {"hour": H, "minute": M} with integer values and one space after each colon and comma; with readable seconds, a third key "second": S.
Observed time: {"hour": 4, "minute": 30}
